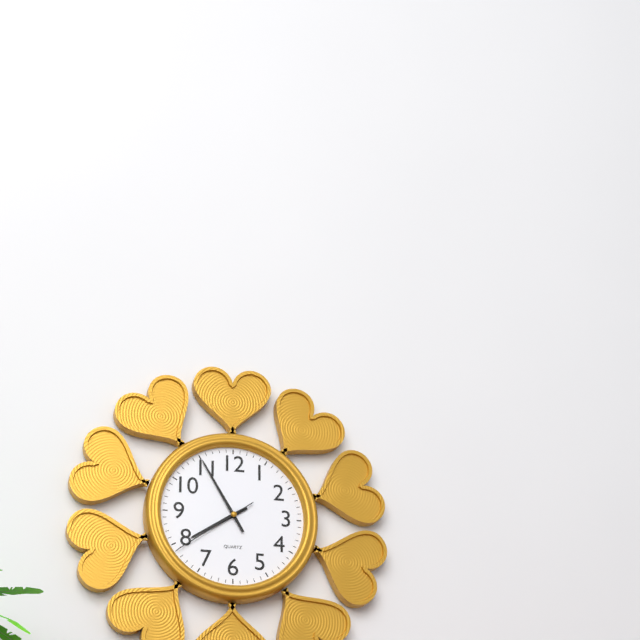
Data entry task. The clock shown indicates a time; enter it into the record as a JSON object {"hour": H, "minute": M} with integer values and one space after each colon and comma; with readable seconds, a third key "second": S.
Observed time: {"hour": 7, "minute": 55, "second": 39}
